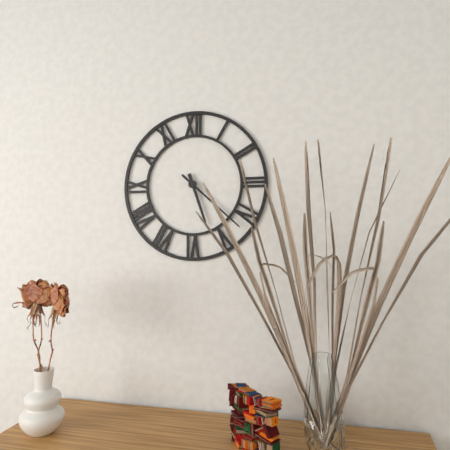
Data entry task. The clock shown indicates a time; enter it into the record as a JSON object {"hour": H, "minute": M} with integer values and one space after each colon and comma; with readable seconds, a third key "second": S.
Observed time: {"hour": 5, "minute": 22}
